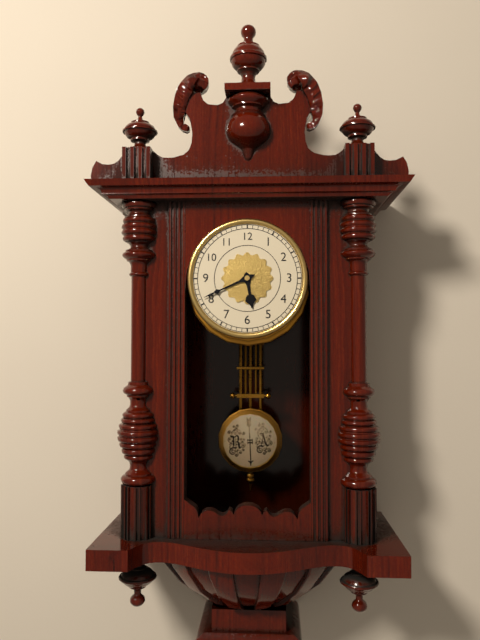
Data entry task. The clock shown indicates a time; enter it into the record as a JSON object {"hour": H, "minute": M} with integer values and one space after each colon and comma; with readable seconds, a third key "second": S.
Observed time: {"hour": 5, "minute": 41}
